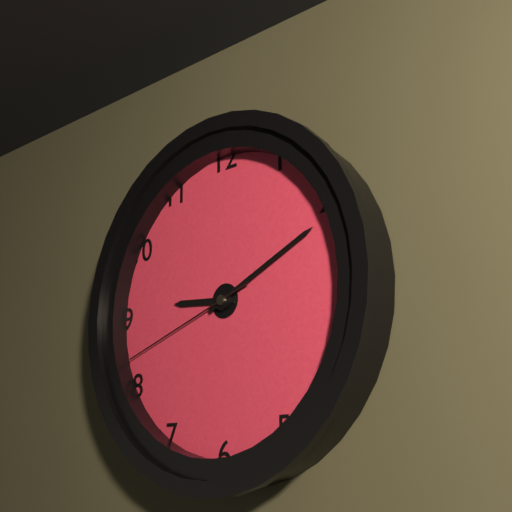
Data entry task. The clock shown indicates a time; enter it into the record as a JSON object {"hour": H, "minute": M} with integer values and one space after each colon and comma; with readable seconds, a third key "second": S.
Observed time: {"hour": 9, "minute": 11, "second": 42}
